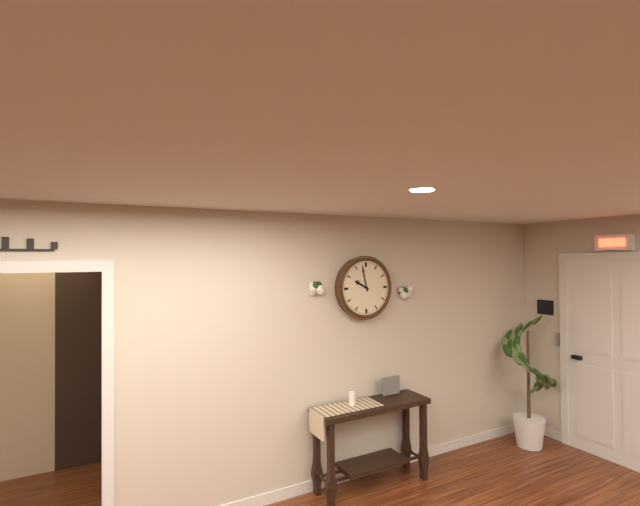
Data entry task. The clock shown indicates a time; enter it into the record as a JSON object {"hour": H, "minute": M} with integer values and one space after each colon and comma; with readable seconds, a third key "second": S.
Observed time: {"hour": 9, "minute": 58}
